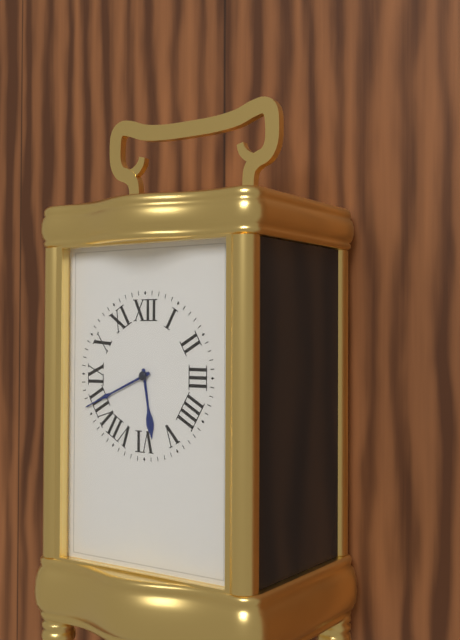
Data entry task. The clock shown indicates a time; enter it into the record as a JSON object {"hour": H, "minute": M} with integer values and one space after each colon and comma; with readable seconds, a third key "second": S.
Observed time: {"hour": 5, "minute": 41}
